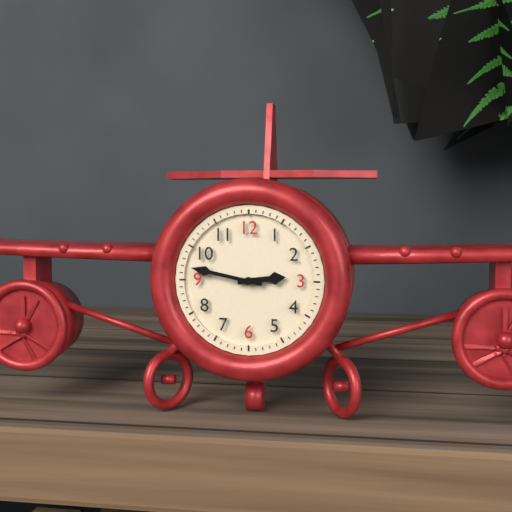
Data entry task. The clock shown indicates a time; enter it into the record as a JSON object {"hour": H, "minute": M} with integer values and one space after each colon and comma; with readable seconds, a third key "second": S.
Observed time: {"hour": 2, "minute": 47}
